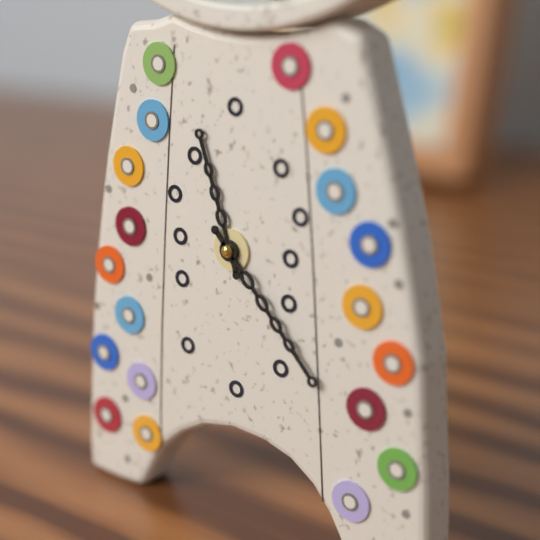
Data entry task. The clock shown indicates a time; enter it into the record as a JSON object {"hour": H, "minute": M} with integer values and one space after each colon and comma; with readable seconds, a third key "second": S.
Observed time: {"hour": 11, "minute": 23}
